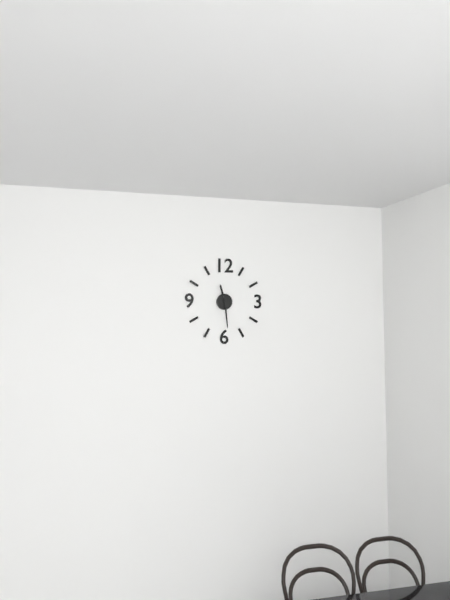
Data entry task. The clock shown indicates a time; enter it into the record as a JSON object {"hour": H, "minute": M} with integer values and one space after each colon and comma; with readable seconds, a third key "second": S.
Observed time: {"hour": 11, "minute": 29}
